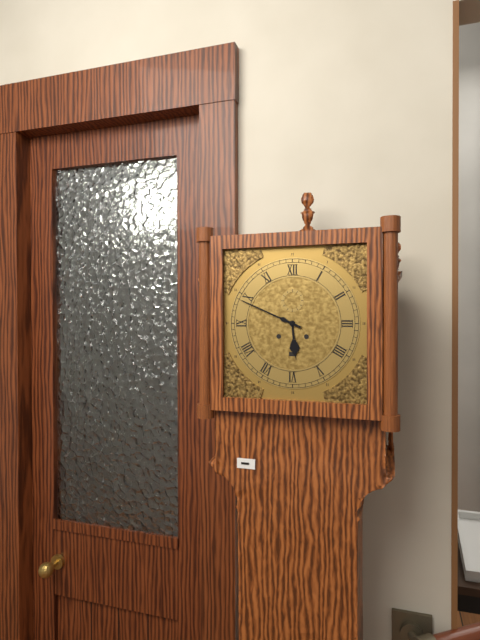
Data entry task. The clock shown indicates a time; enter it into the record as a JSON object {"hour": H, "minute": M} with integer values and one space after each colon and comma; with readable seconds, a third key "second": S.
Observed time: {"hour": 5, "minute": 49}
